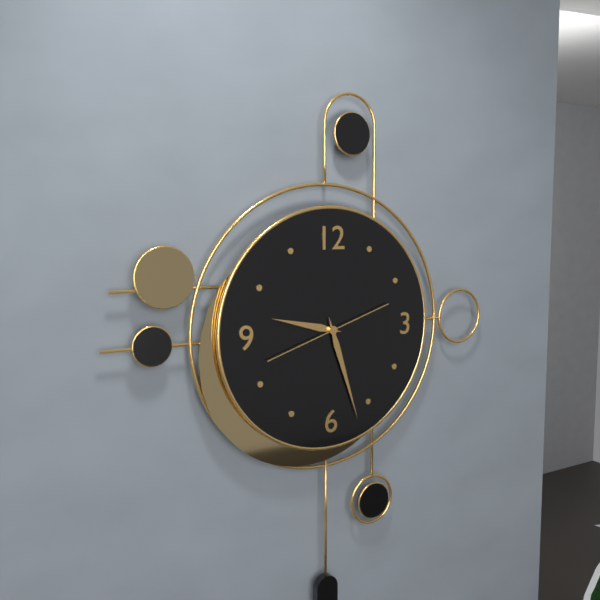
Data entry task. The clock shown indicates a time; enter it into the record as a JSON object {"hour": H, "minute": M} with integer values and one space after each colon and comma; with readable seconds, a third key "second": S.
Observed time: {"hour": 9, "minute": 27, "second": 42}
